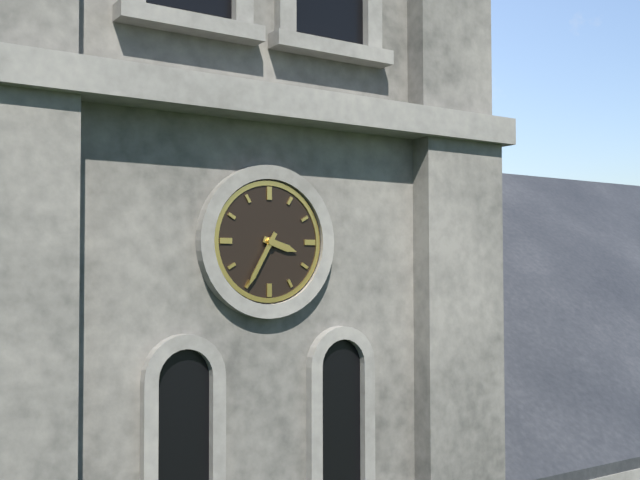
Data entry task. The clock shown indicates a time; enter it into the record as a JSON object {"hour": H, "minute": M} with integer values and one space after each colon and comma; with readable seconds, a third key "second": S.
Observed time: {"hour": 3, "minute": 35}
